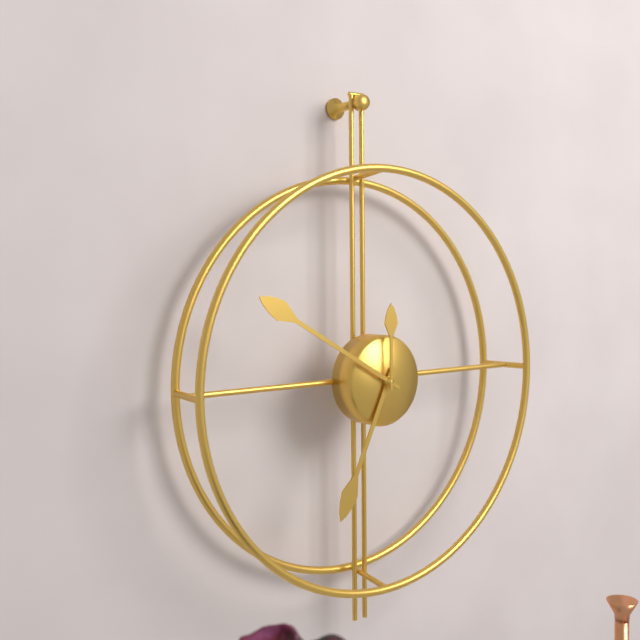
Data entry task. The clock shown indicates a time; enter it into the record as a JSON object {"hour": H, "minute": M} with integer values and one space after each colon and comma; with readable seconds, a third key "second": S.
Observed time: {"hour": 6, "minute": 50, "second": 0}
